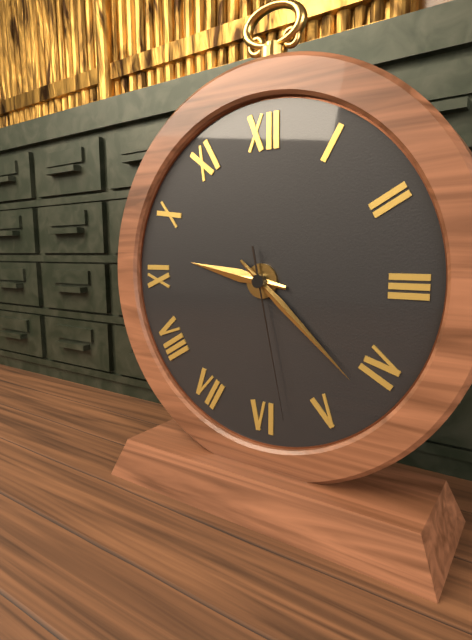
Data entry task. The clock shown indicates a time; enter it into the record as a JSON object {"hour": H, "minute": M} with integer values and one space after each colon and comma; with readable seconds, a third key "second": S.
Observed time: {"hour": 9, "minute": 22, "second": 28}
